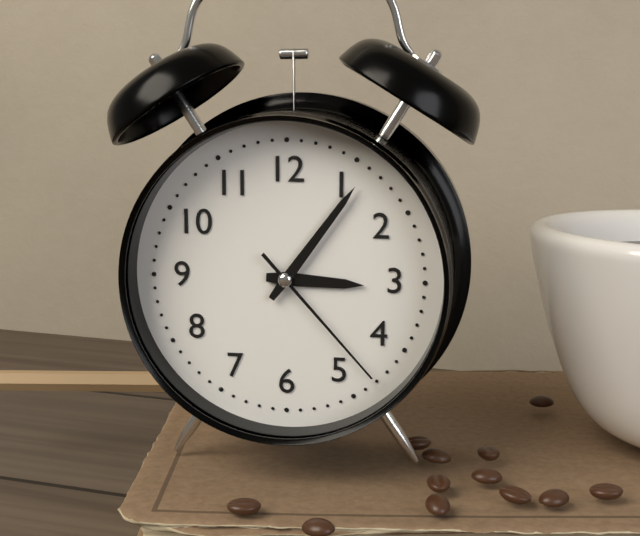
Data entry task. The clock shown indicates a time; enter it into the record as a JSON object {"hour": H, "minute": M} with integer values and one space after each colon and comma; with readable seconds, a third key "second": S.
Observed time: {"hour": 3, "minute": 6, "second": 23}
